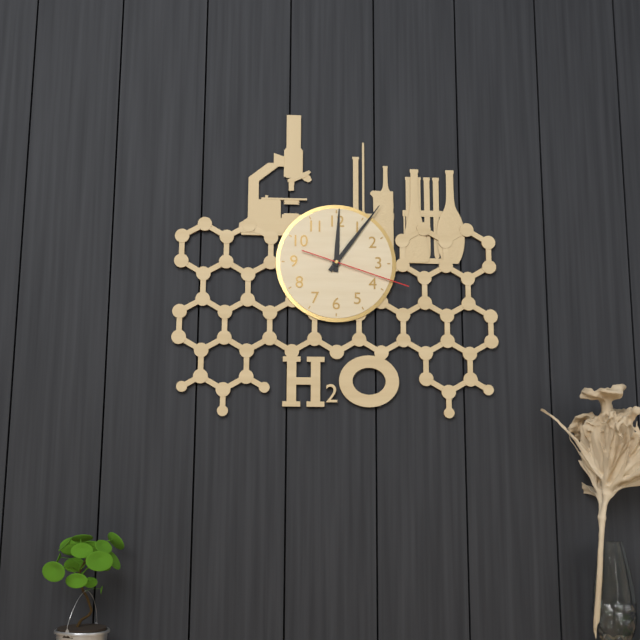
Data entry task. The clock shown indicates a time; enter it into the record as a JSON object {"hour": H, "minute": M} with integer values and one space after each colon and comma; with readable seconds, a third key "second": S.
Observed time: {"hour": 12, "minute": 6, "second": 18}
